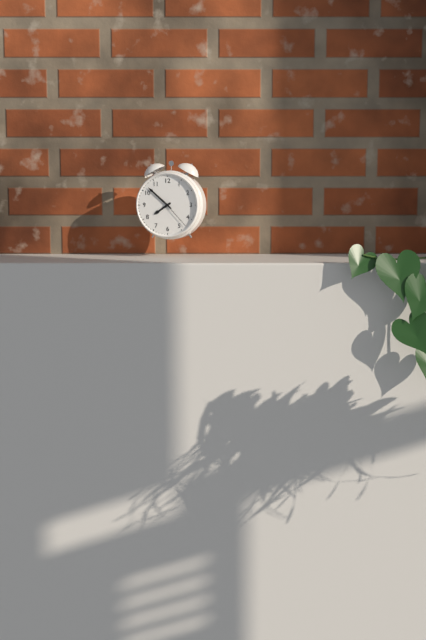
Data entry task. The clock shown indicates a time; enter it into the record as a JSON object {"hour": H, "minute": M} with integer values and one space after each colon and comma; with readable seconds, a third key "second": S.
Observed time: {"hour": 7, "minute": 52}
